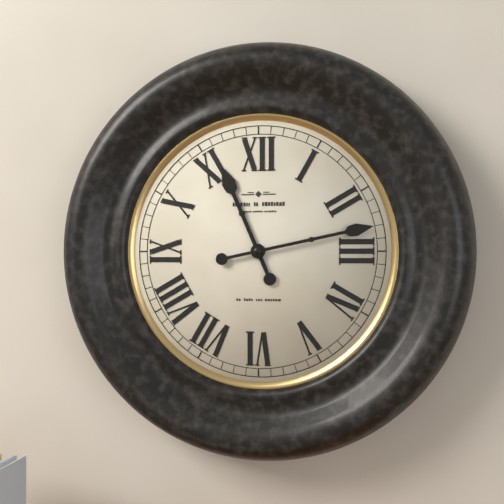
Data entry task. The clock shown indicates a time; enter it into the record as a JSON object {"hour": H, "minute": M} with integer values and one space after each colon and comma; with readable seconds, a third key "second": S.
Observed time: {"hour": 11, "minute": 13}
